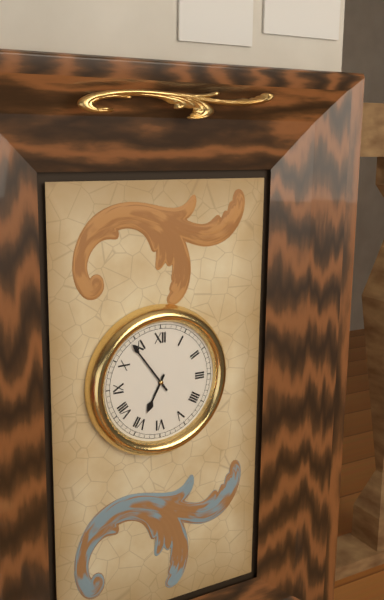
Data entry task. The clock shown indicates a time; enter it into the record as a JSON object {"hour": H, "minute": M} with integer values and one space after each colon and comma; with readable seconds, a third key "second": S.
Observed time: {"hour": 6, "minute": 54}
